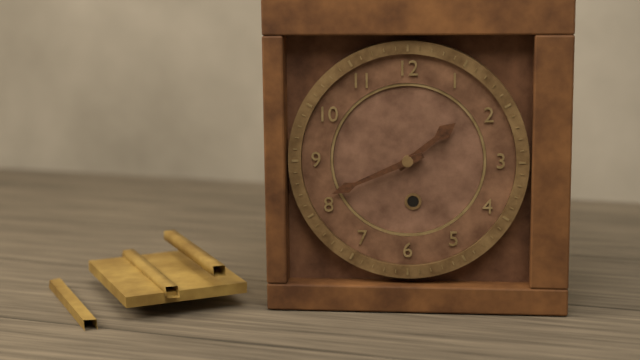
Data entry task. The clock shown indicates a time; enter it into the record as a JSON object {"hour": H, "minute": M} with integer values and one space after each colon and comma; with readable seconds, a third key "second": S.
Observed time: {"hour": 1, "minute": 41}
